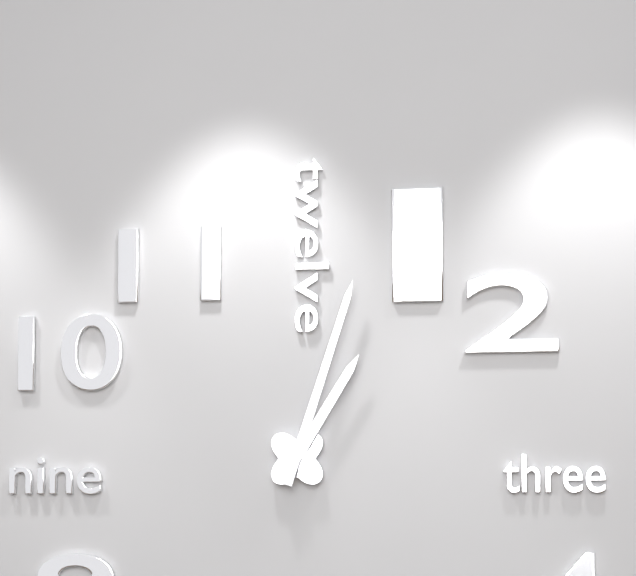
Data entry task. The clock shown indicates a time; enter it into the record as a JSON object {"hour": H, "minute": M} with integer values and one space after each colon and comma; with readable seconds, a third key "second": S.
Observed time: {"hour": 1, "minute": 3}
